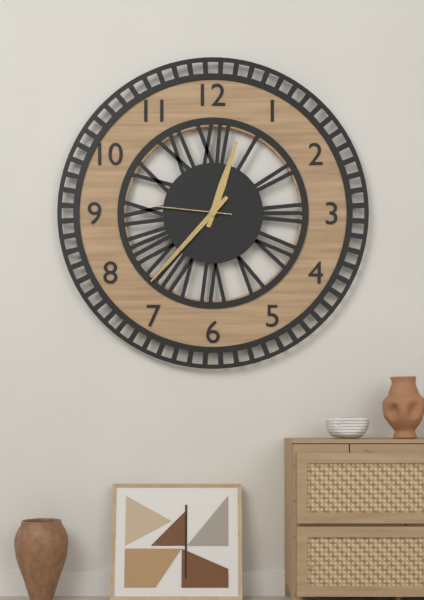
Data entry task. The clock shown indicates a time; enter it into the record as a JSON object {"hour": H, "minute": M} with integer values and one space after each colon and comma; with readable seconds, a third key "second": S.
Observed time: {"hour": 12, "minute": 37, "second": 46}
